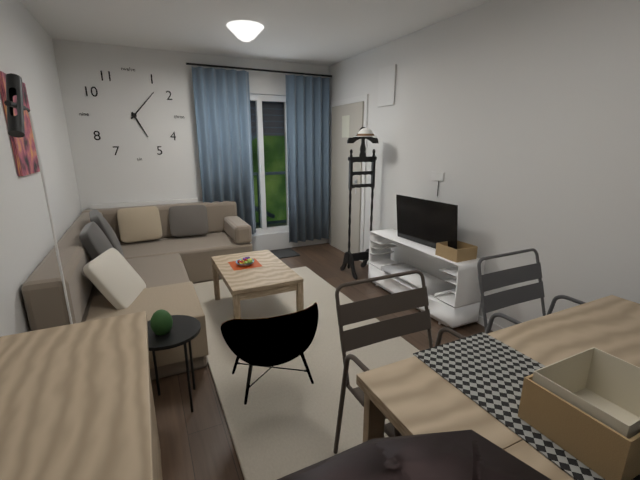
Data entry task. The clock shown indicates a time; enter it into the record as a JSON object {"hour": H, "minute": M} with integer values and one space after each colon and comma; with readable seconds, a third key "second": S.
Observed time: {"hour": 5, "minute": 7}
